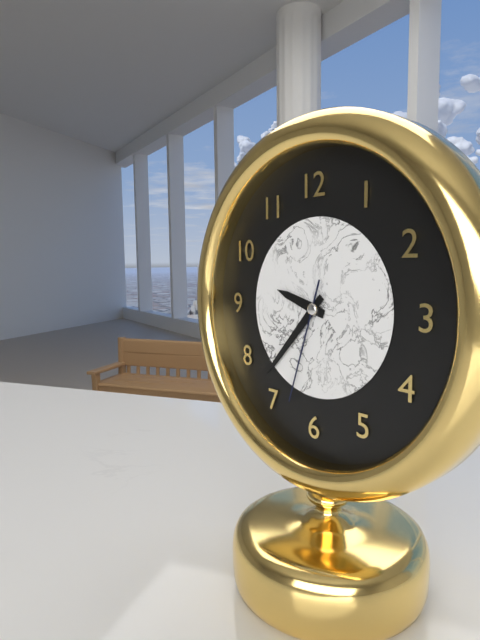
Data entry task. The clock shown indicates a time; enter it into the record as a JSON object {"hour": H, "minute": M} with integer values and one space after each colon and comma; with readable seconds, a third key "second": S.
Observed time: {"hour": 9, "minute": 37, "second": 33}
